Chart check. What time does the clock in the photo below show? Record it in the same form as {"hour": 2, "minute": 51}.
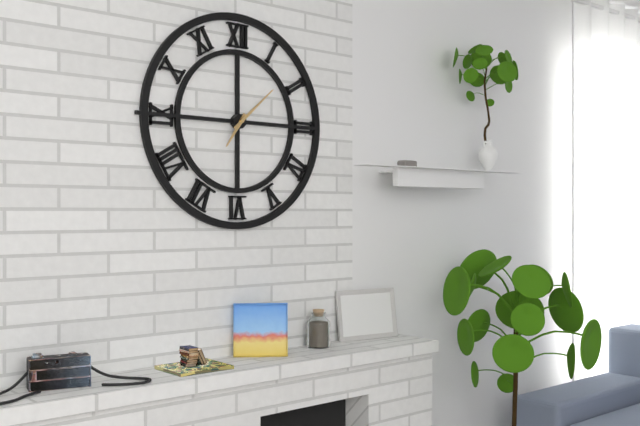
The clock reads {"hour": 7, "minute": 8}
